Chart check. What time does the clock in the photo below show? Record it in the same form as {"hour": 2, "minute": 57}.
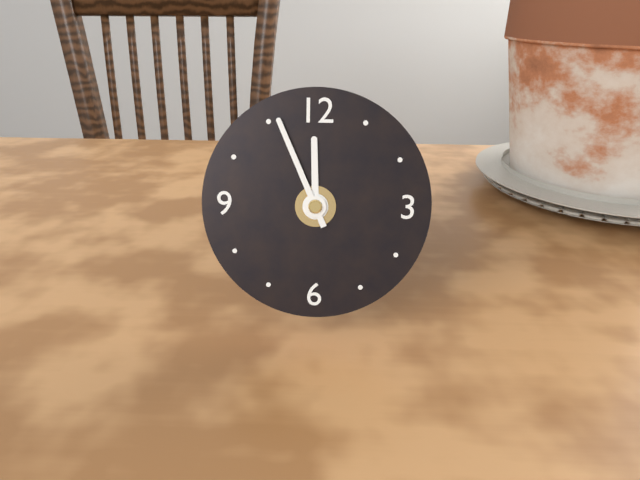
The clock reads {"hour": 11, "minute": 56}
